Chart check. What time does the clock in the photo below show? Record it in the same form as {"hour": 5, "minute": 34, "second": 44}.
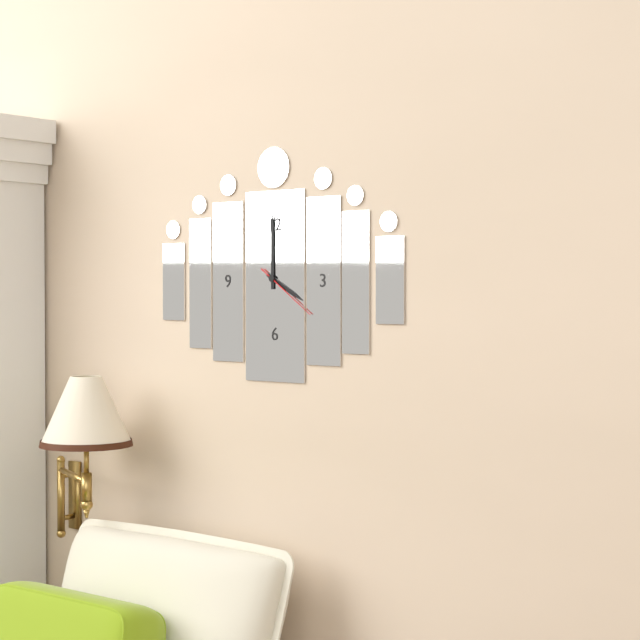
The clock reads {"hour": 4, "minute": 0, "second": 21}
